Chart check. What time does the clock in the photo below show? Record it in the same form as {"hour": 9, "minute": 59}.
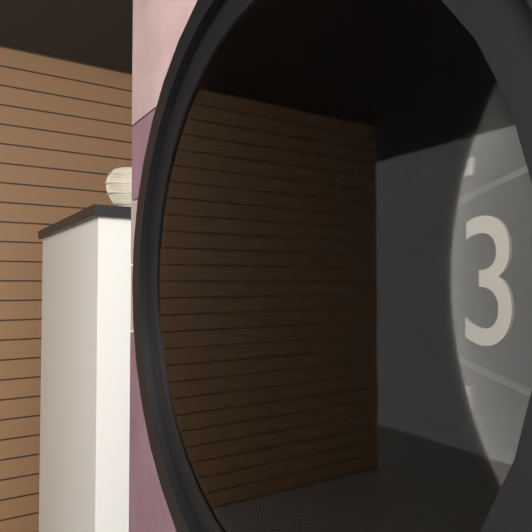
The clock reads {"hour": 7, "minute": 18}
